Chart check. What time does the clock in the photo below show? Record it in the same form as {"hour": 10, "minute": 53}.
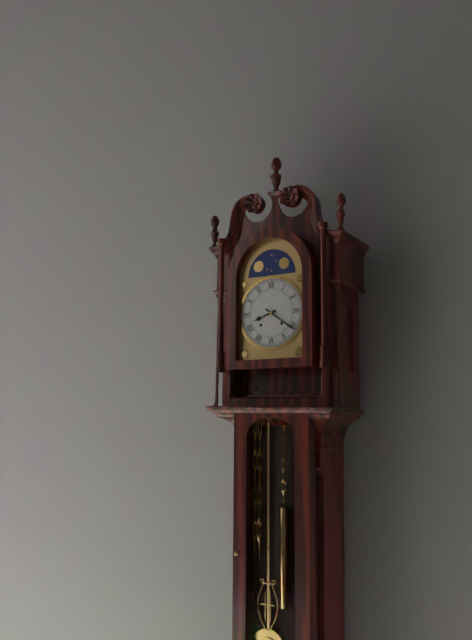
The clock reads {"hour": 8, "minute": 21}
